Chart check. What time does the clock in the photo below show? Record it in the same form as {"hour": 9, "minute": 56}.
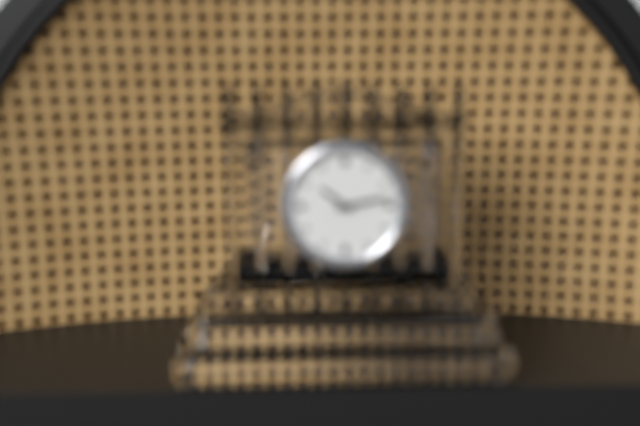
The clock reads {"hour": 10, "minute": 13}
